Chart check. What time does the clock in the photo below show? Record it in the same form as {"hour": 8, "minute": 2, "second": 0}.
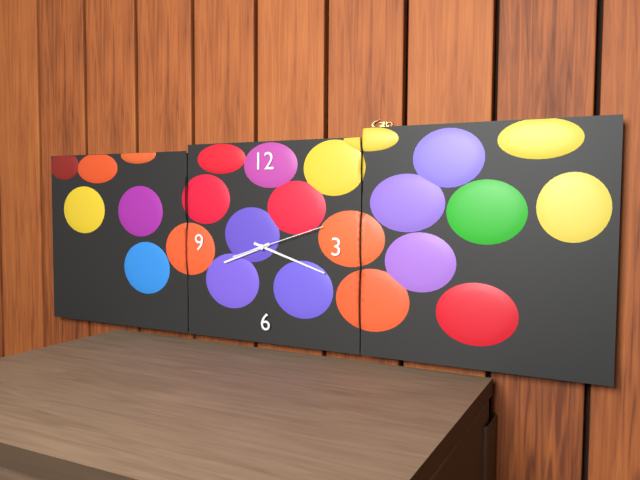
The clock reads {"hour": 8, "minute": 18, "second": 12}
